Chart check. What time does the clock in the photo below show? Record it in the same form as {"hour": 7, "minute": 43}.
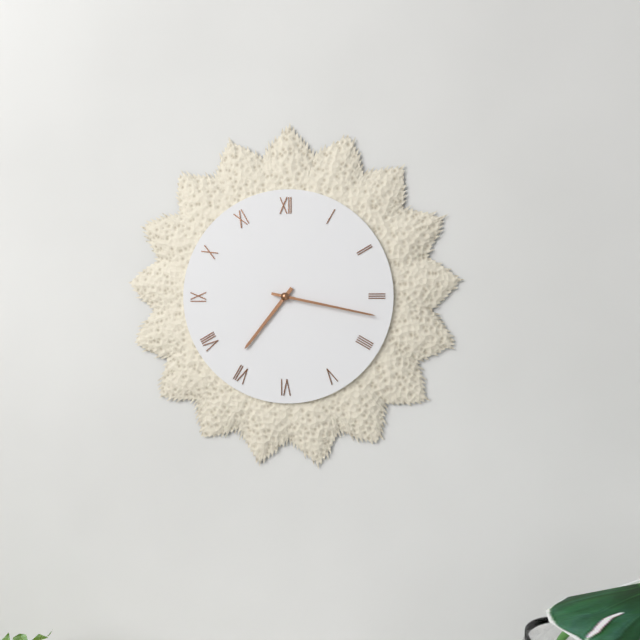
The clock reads {"hour": 7, "minute": 17}
